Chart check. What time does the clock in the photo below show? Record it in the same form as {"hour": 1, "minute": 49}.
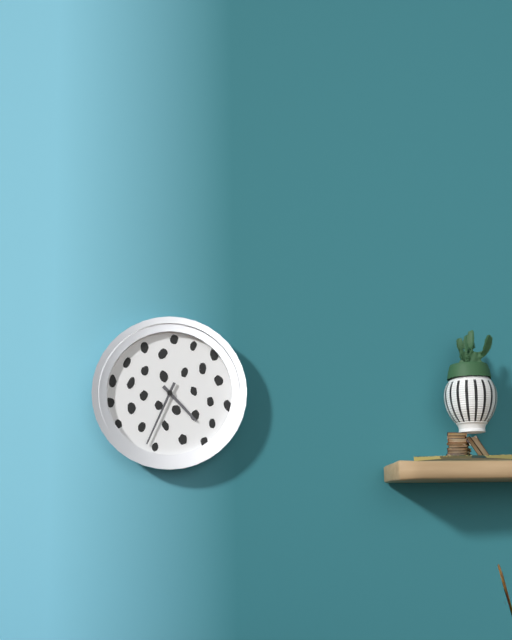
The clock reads {"hour": 4, "minute": 34}
